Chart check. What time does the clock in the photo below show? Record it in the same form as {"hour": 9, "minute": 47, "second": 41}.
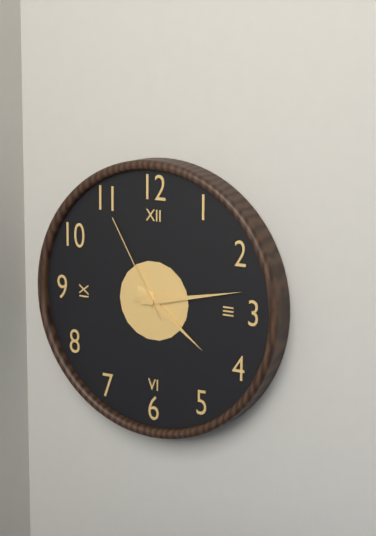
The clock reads {"hour": 4, "minute": 13, "second": 55}
